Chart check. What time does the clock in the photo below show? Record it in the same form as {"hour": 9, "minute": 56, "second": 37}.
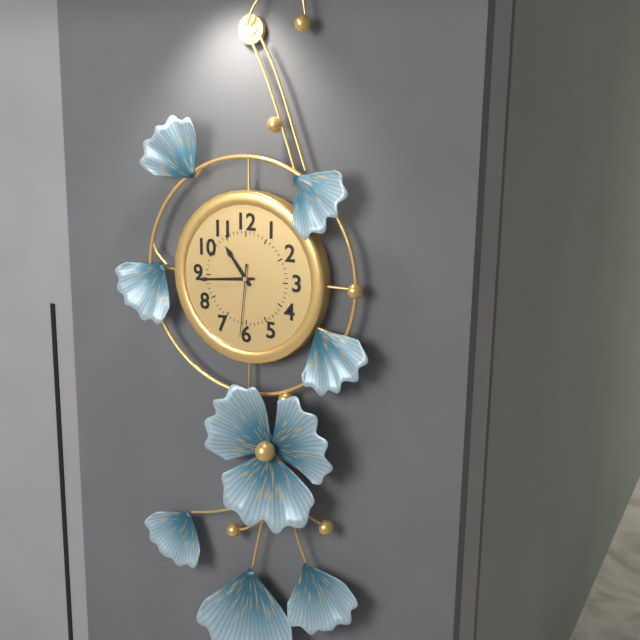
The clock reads {"hour": 10, "minute": 44, "second": 31}
